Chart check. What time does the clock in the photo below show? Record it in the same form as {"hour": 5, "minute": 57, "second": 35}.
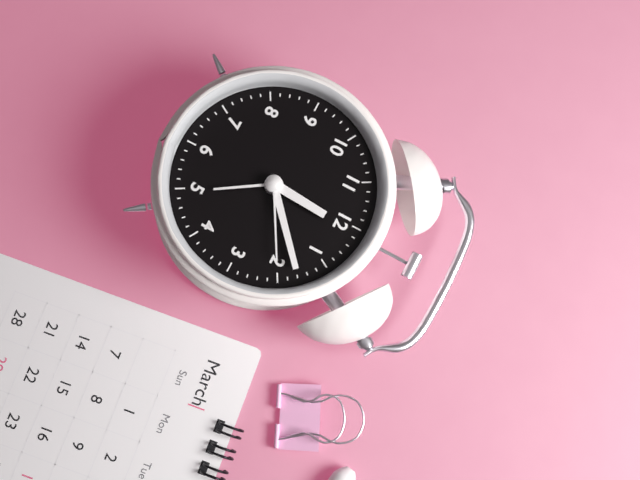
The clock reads {"hour": 12, "minute": 8, "second": 10}
